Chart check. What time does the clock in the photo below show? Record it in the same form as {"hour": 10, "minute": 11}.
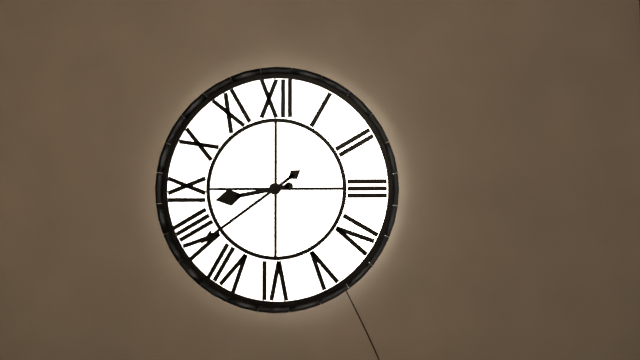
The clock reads {"hour": 8, "minute": 39}
